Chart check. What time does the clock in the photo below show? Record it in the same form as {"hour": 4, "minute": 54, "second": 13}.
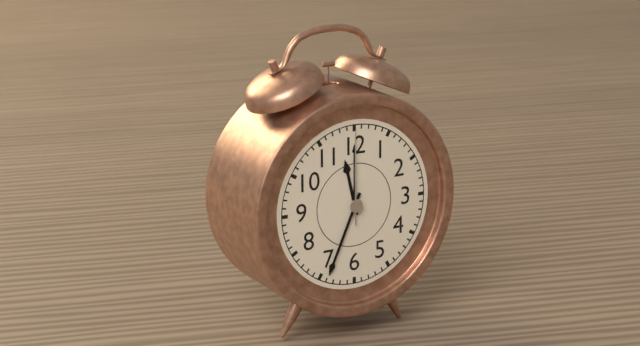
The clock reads {"hour": 11, "minute": 34, "second": 0}
